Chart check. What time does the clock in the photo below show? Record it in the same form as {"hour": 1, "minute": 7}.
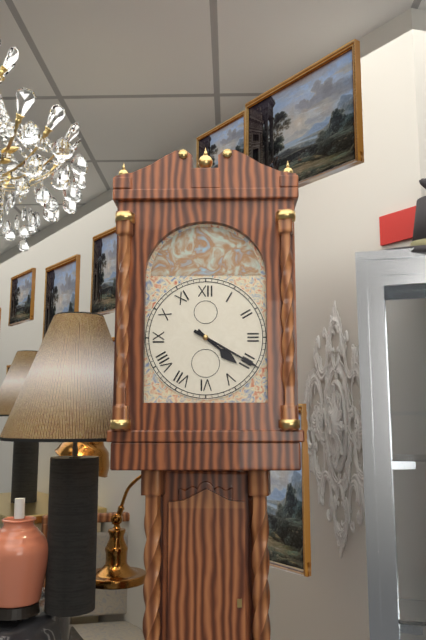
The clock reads {"hour": 4, "minute": 20}
